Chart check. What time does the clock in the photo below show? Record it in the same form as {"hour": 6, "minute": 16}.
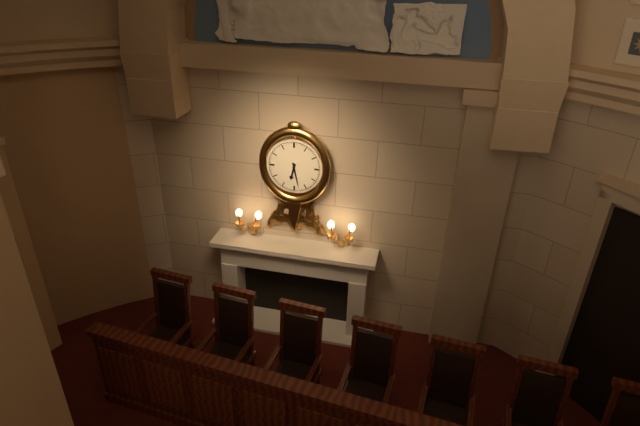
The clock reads {"hour": 6, "minute": 28}
